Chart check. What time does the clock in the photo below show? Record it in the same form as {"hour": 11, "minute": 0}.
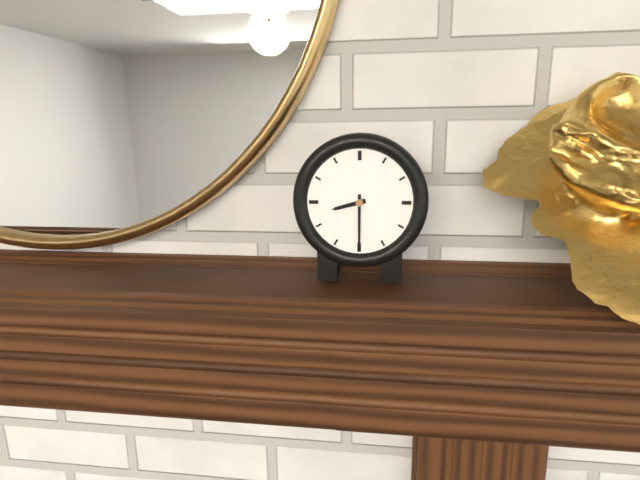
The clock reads {"hour": 8, "minute": 30}
